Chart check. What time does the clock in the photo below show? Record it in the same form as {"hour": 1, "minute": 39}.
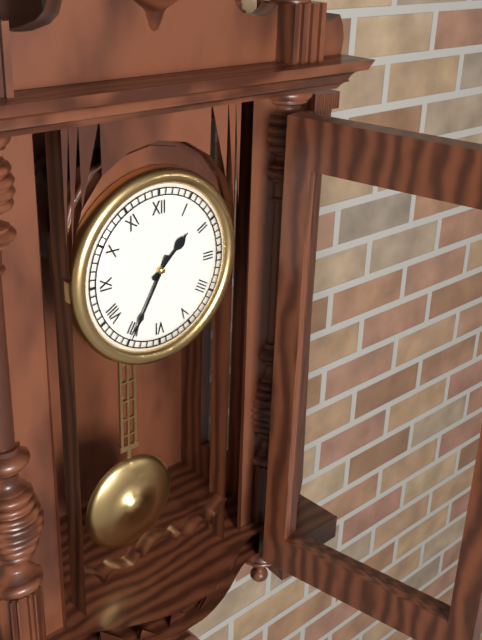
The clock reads {"hour": 1, "minute": 35}
